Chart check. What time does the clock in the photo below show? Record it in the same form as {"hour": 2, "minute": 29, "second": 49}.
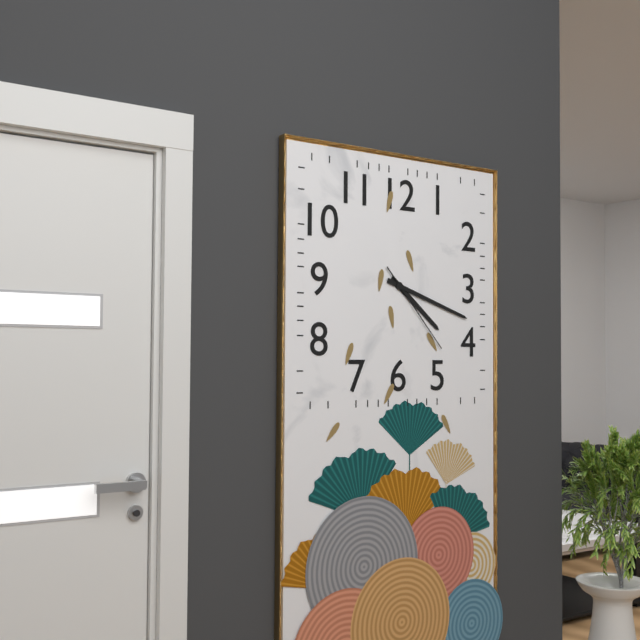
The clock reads {"hour": 4, "minute": 18, "second": 23}
